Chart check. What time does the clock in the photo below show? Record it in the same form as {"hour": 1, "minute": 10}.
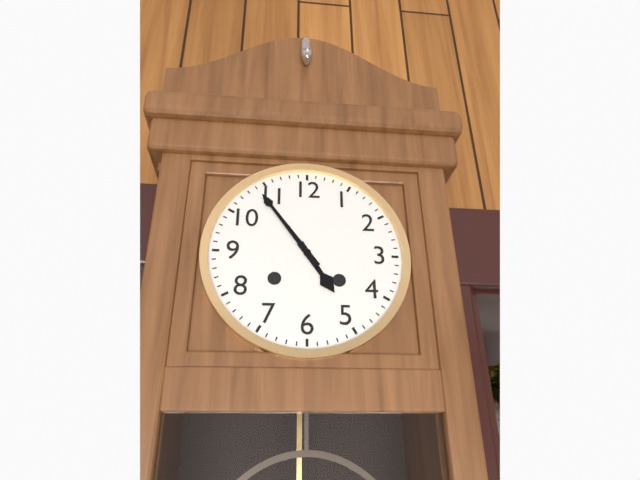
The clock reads {"hour": 4, "minute": 54}
